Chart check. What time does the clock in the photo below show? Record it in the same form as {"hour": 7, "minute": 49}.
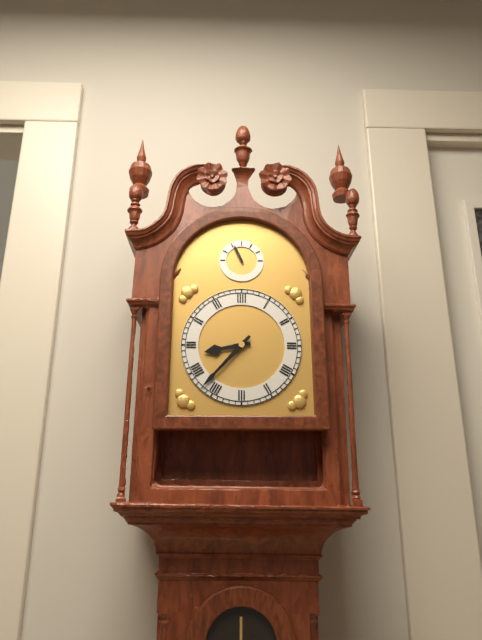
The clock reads {"hour": 8, "minute": 37}
